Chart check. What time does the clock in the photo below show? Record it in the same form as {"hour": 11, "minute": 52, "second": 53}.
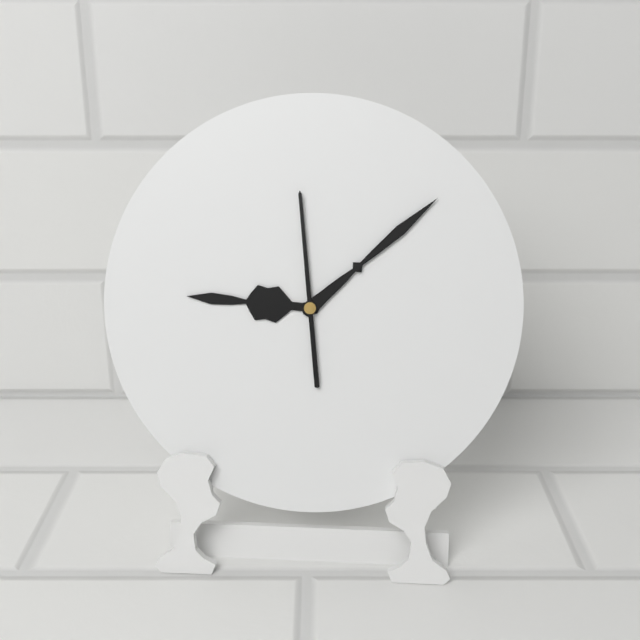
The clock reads {"hour": 9, "minute": 8, "second": 59}
